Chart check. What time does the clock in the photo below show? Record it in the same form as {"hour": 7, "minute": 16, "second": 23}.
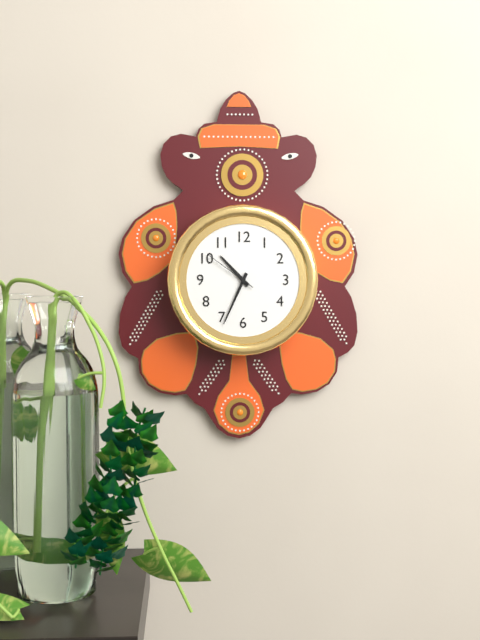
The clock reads {"hour": 10, "minute": 34, "second": 51}
